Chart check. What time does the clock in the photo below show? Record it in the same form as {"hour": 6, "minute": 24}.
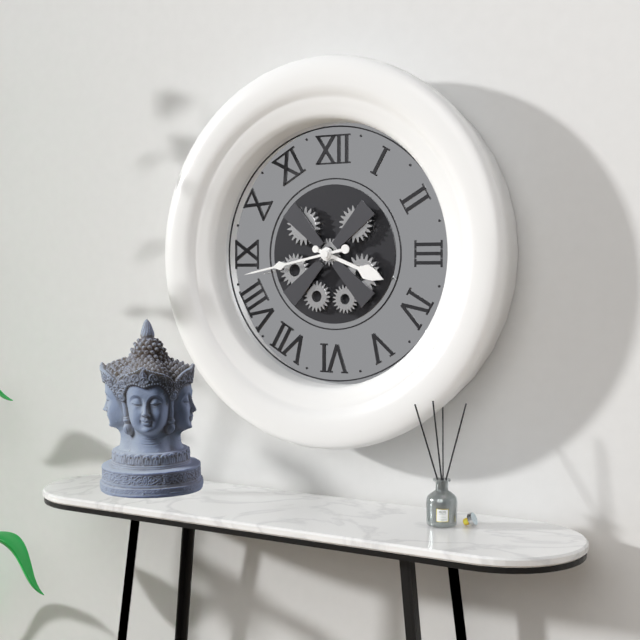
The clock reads {"hour": 3, "minute": 43}
